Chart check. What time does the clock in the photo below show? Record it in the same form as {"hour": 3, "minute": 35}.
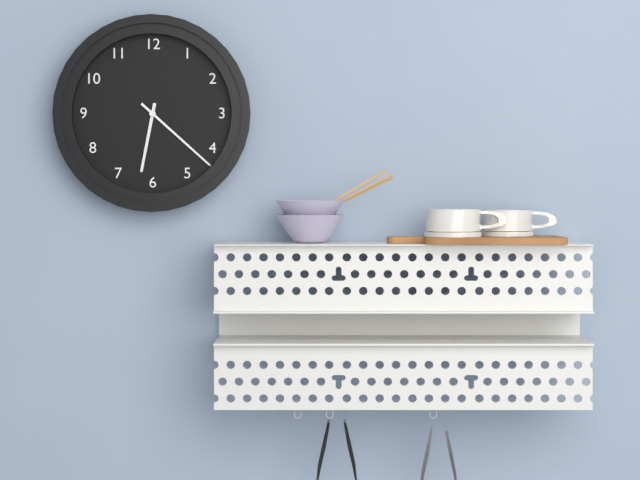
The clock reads {"hour": 6, "minute": 22}
